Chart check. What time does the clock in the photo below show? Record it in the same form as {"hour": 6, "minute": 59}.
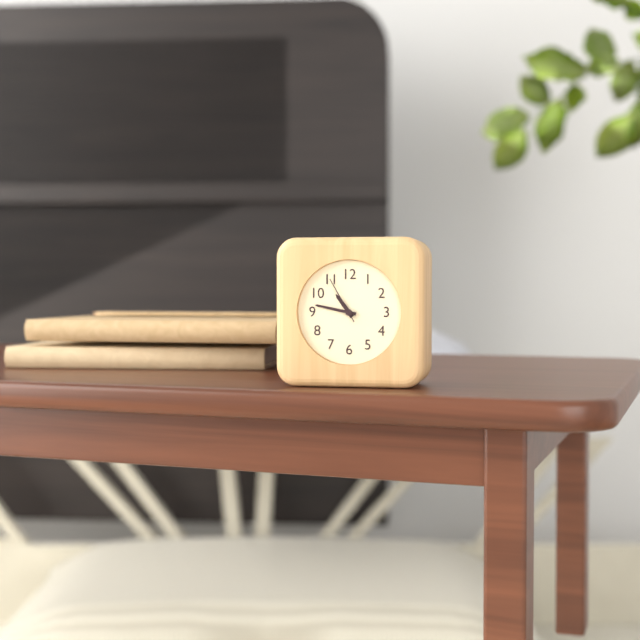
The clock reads {"hour": 10, "minute": 47}
